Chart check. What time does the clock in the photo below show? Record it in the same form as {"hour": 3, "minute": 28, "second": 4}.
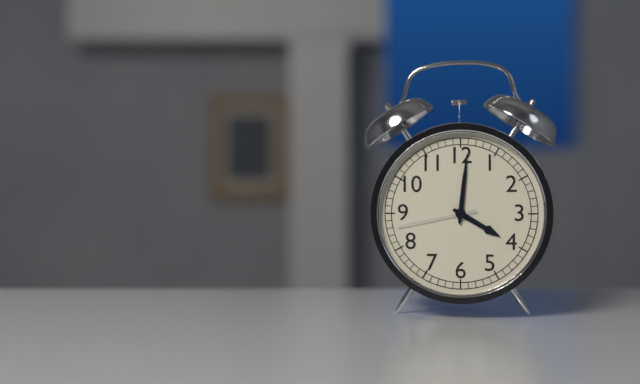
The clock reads {"hour": 4, "minute": 1, "second": 43}
